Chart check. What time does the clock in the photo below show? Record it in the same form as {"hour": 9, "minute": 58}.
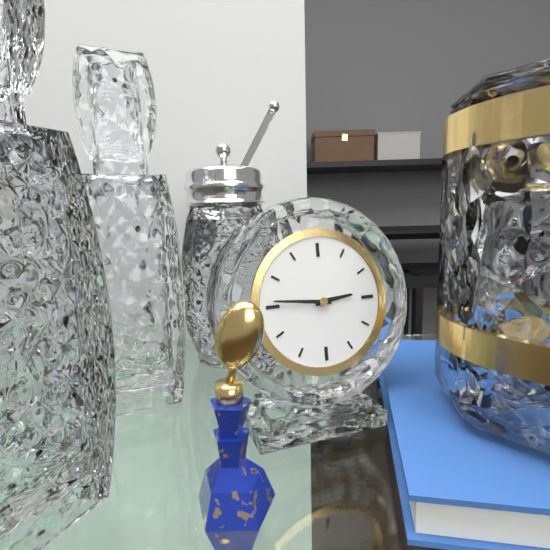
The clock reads {"hour": 2, "minute": 46}
